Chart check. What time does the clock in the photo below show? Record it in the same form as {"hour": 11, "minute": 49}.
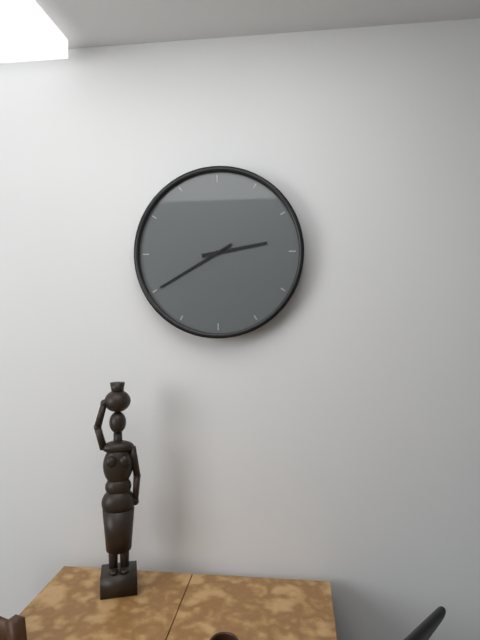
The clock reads {"hour": 2, "minute": 40}
